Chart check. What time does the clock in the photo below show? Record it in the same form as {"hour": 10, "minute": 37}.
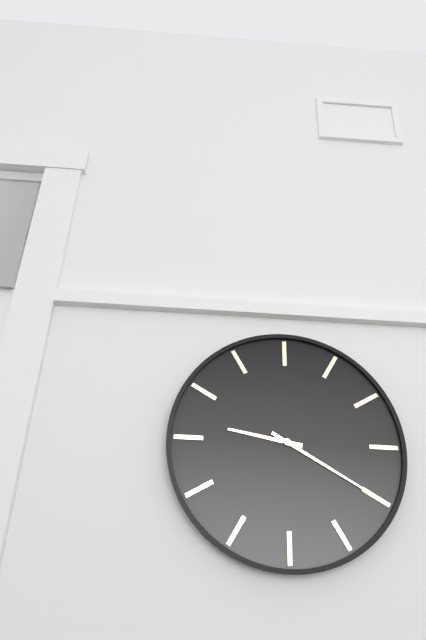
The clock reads {"hour": 9, "minute": 20}
